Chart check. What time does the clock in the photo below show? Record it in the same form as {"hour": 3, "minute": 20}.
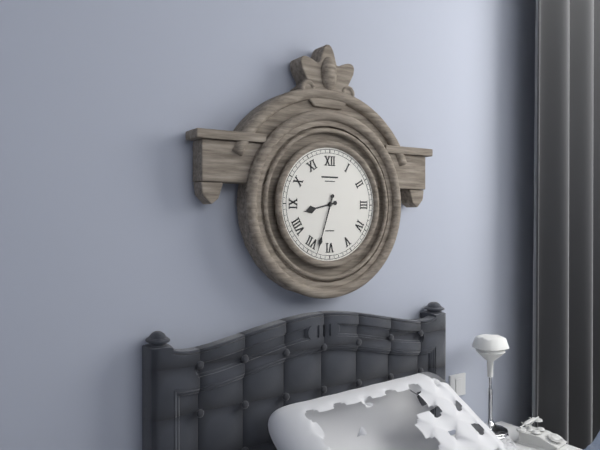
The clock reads {"hour": 8, "minute": 33}
